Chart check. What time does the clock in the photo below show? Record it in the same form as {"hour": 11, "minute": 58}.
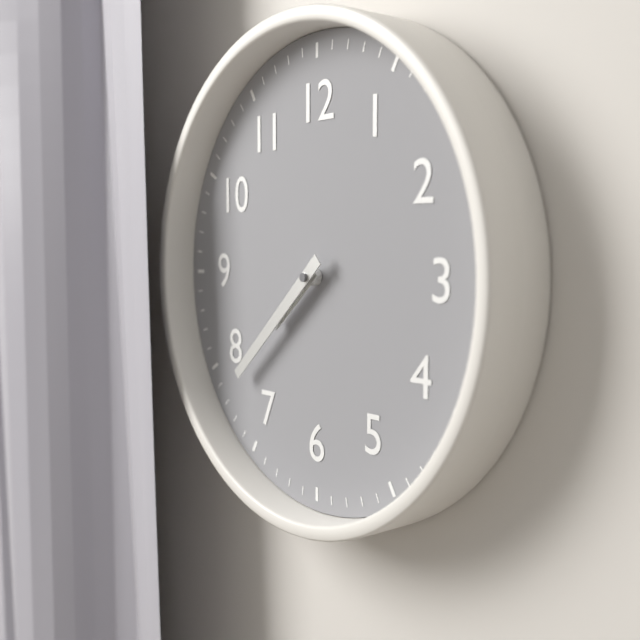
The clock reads {"hour": 7, "minute": 38}
